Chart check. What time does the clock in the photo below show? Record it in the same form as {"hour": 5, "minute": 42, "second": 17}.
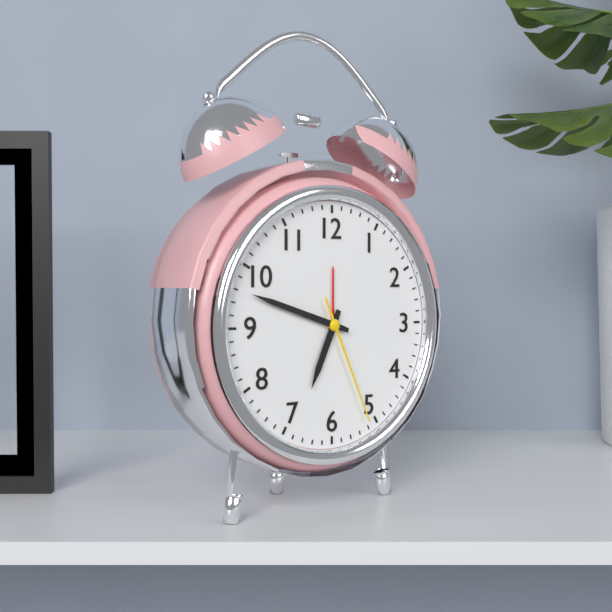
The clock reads {"hour": 6, "minute": 48, "second": 26}
